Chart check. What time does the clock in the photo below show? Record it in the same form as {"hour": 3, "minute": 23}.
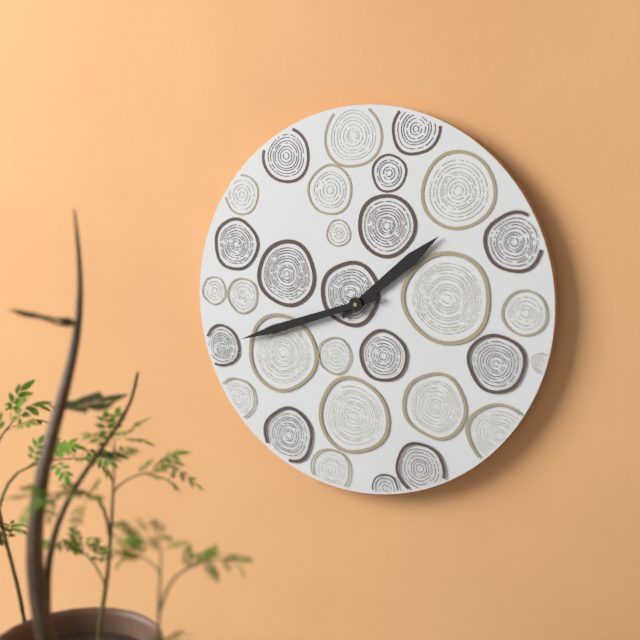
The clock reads {"hour": 1, "minute": 42}
